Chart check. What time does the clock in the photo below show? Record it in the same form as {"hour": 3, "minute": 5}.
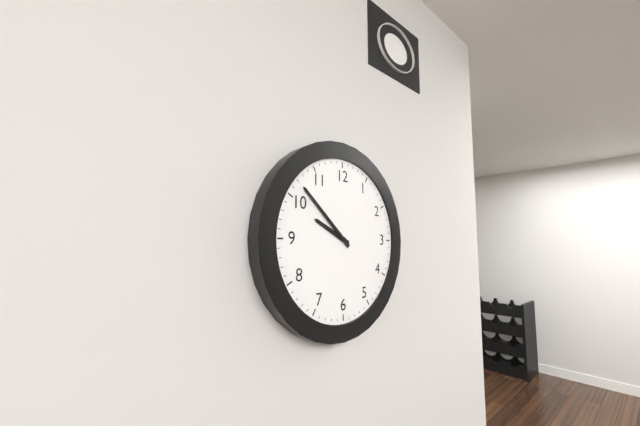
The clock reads {"hour": 9, "minute": 52}
